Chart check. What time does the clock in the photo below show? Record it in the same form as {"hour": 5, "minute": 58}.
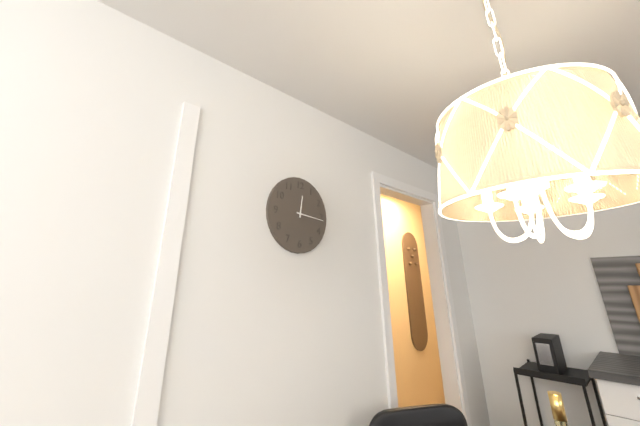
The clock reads {"hour": 12, "minute": 16}
